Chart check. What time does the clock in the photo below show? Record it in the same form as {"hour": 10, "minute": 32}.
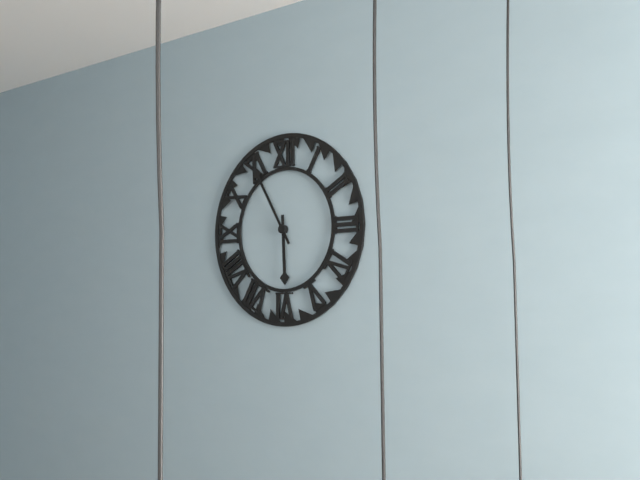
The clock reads {"hour": 5, "minute": 55}
